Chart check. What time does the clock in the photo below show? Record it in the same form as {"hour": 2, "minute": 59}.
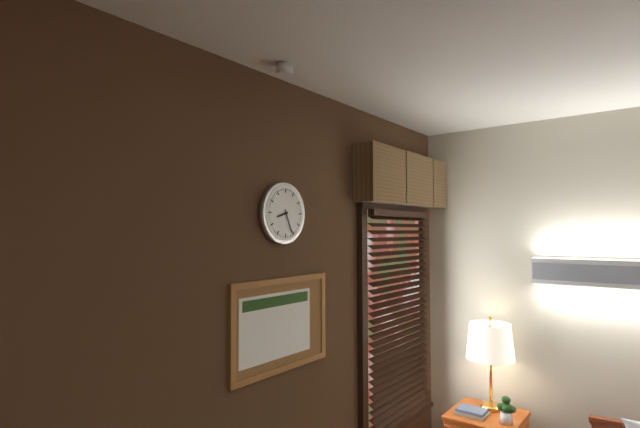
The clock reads {"hour": 8, "minute": 26}
